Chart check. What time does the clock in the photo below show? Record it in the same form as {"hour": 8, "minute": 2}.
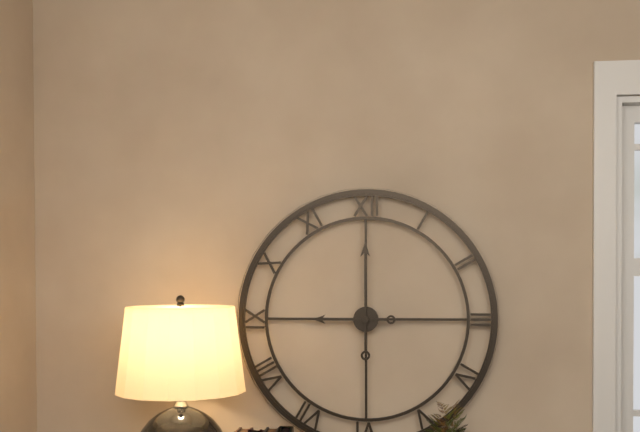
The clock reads {"hour": 9, "minute": 0}
